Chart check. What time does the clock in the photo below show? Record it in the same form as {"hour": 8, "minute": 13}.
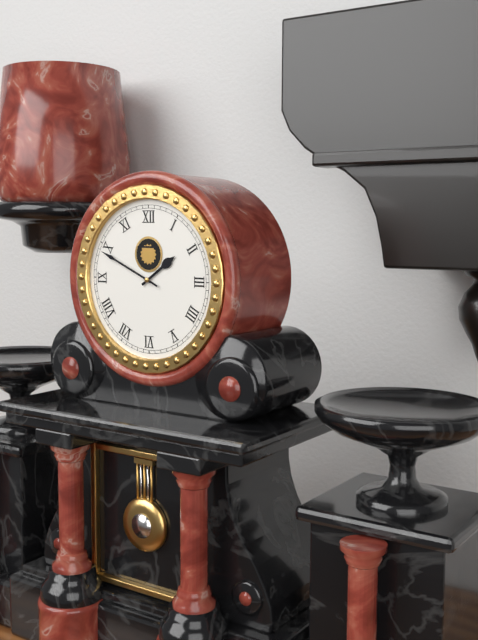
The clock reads {"hour": 1, "minute": 49}
